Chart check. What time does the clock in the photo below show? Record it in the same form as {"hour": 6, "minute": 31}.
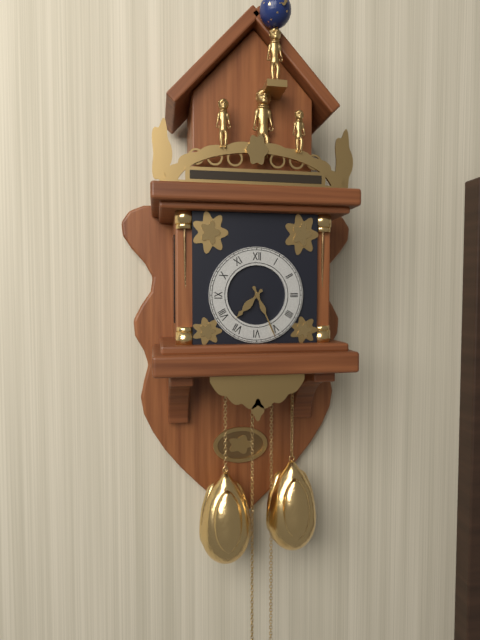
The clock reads {"hour": 7, "minute": 26}
